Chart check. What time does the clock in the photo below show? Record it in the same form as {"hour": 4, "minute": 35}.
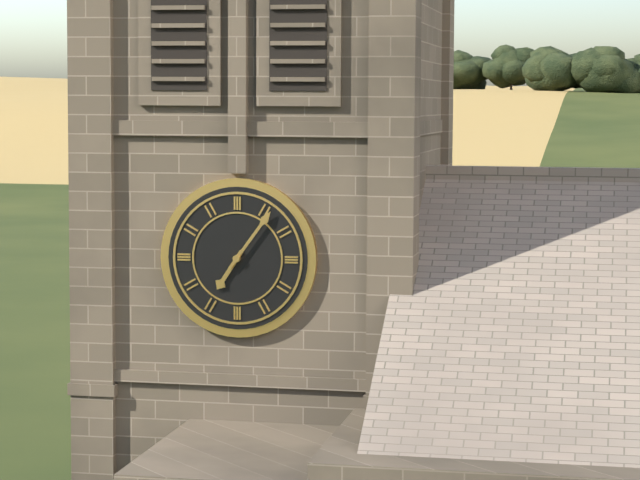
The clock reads {"hour": 7, "minute": 6}
